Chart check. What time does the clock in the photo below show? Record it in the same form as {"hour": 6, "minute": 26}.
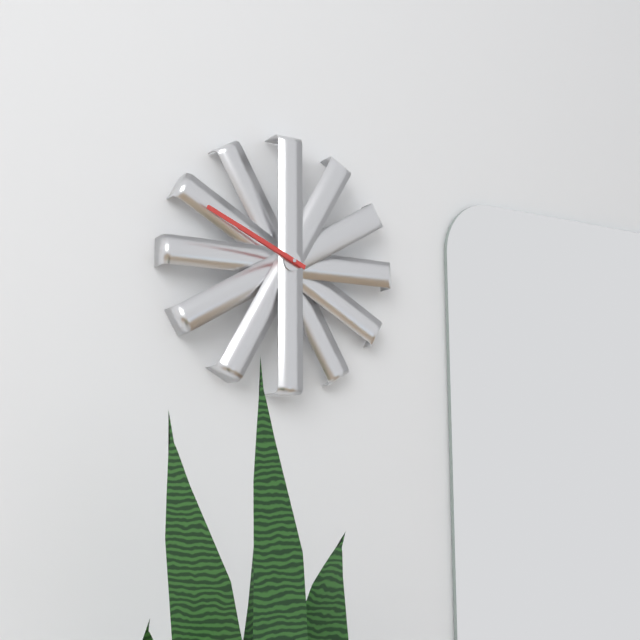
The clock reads {"hour": 9, "minute": 49}
